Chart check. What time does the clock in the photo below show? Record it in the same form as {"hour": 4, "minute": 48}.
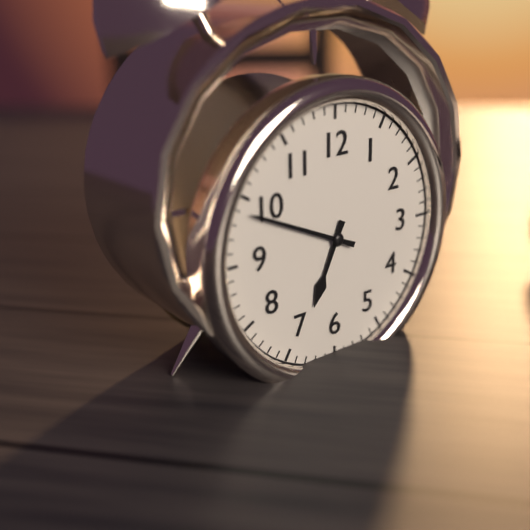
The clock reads {"hour": 6, "minute": 49}
